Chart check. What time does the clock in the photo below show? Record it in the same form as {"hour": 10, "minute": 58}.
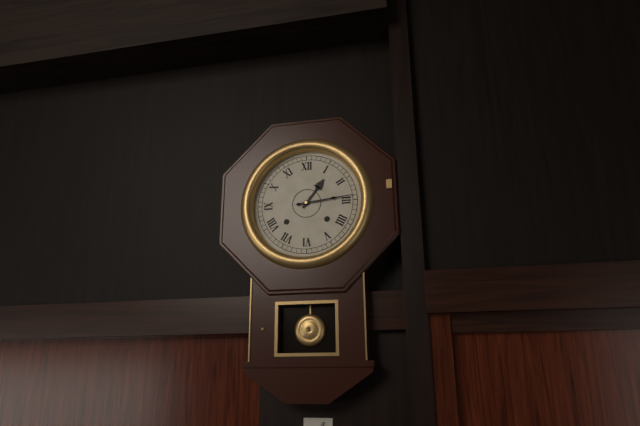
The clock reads {"hour": 1, "minute": 14}
